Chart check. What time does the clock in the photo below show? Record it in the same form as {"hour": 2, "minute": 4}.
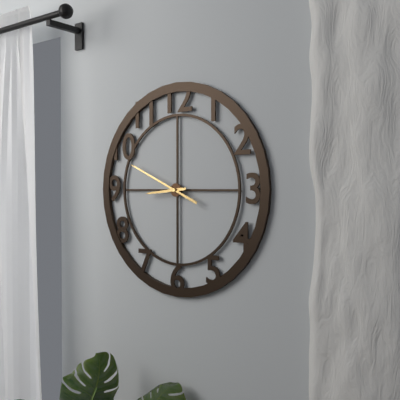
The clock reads {"hour": 8, "minute": 49}
